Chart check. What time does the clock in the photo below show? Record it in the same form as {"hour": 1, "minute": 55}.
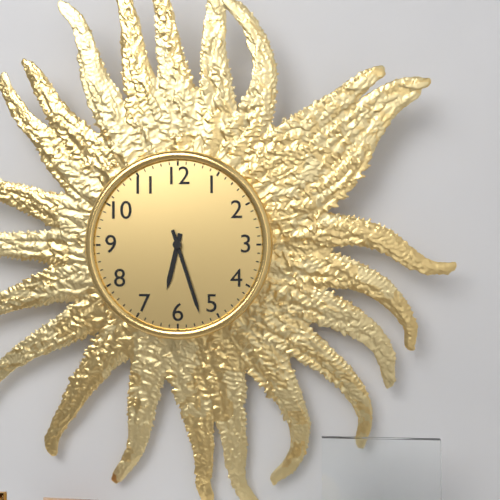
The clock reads {"hour": 6, "minute": 27}
